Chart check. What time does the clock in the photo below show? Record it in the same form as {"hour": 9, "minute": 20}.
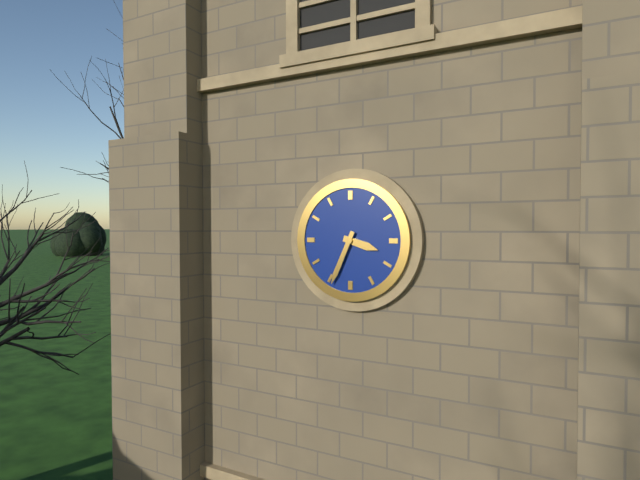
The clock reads {"hour": 3, "minute": 34}
